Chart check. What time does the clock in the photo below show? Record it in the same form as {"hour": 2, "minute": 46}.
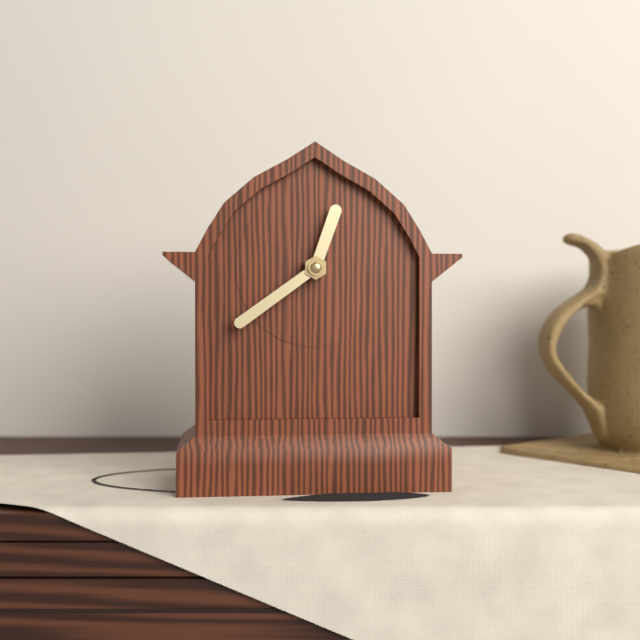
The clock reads {"hour": 12, "minute": 39}
